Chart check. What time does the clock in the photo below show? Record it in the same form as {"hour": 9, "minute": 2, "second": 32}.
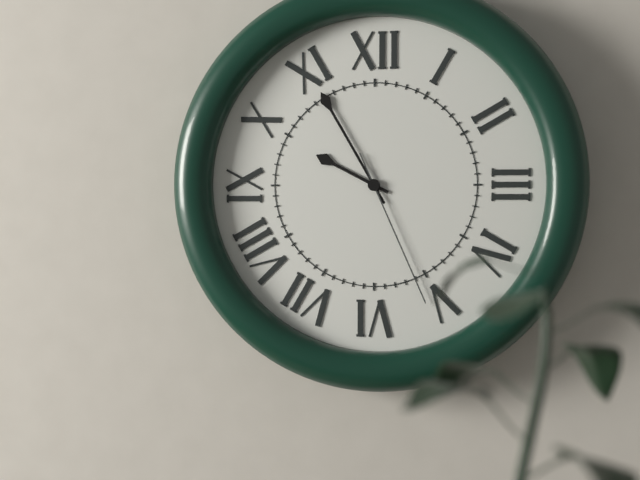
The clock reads {"hour": 9, "minute": 55, "second": 26}
